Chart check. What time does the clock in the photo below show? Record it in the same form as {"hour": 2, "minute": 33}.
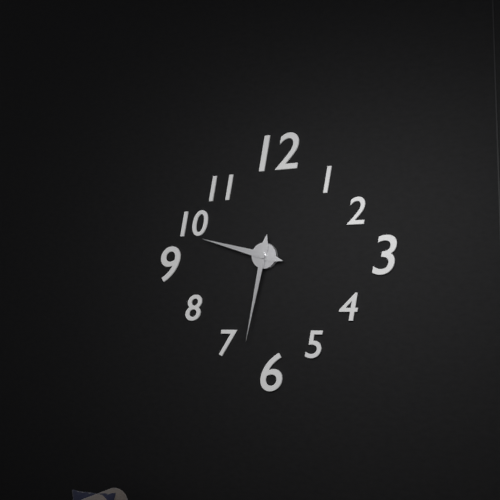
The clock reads {"hour": 9, "minute": 32}
